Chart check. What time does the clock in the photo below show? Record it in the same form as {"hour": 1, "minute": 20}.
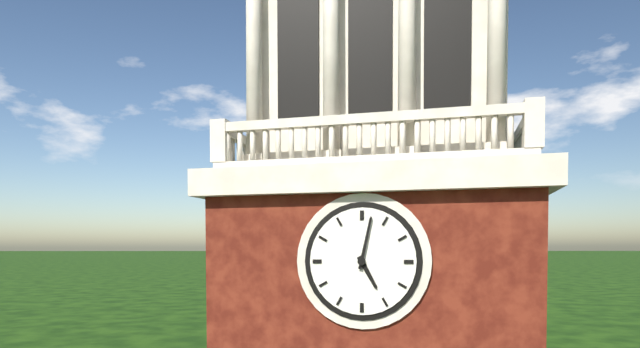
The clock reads {"hour": 5, "minute": 2}
